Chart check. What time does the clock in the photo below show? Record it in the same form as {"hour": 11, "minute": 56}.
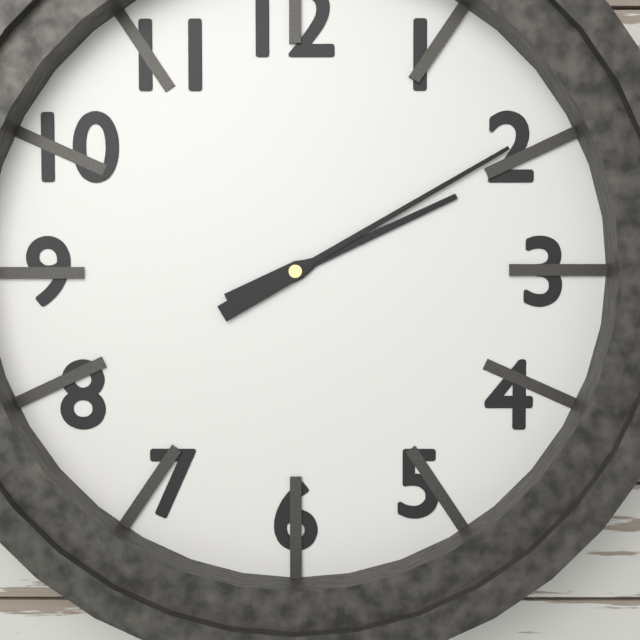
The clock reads {"hour": 2, "minute": 10}
